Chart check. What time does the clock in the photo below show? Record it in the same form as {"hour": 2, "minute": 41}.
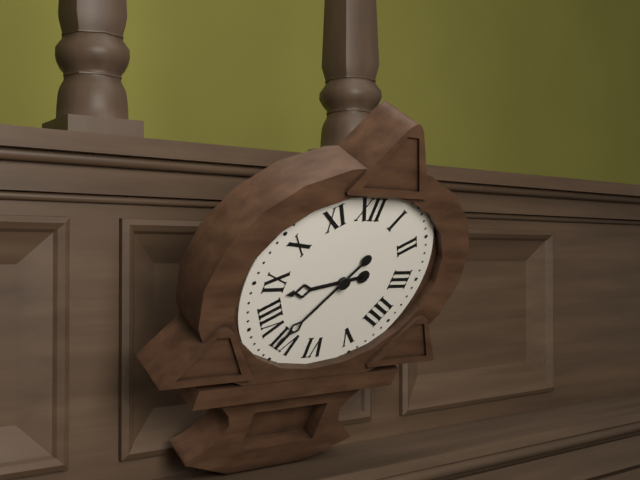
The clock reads {"hour": 8, "minute": 36}
